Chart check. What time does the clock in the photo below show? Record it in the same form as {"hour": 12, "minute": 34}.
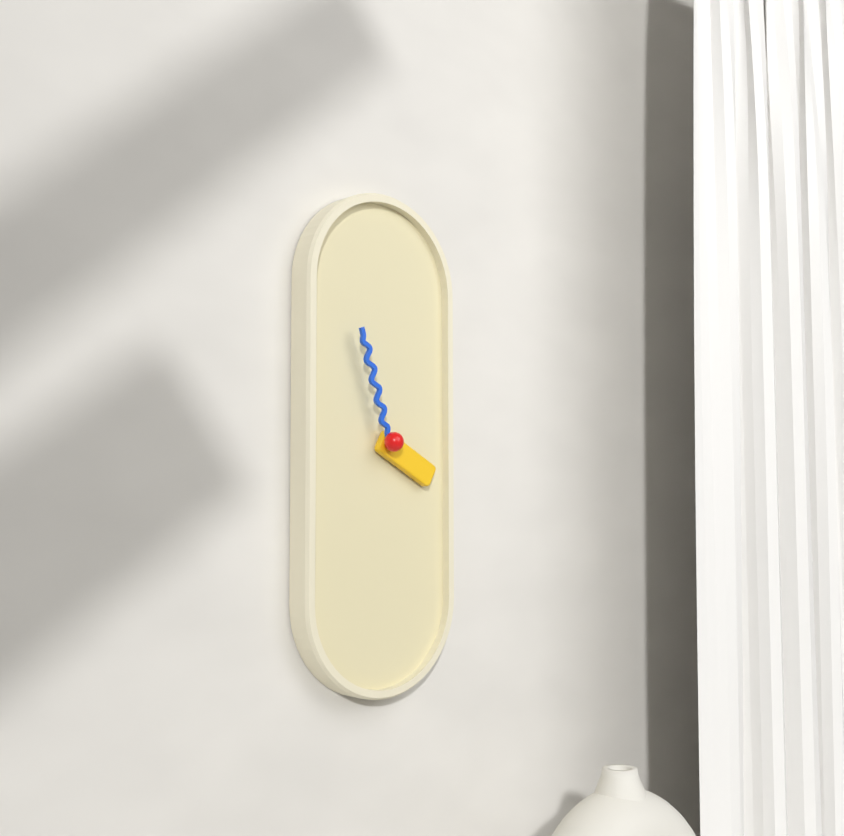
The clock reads {"hour": 3, "minute": 57}
